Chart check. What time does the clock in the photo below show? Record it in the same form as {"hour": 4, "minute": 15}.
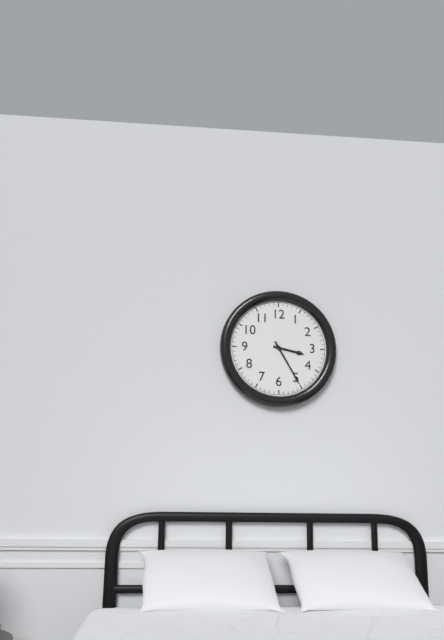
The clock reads {"hour": 3, "minute": 25}
